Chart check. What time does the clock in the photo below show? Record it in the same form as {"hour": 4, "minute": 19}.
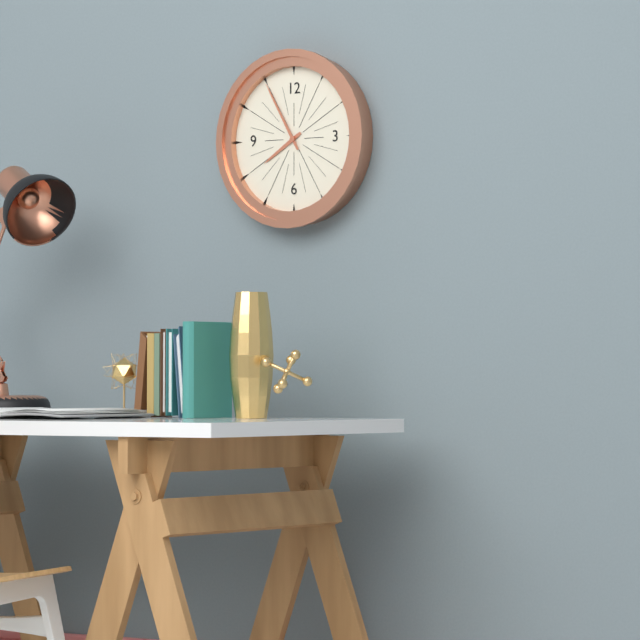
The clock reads {"hour": 7, "minute": 55}
